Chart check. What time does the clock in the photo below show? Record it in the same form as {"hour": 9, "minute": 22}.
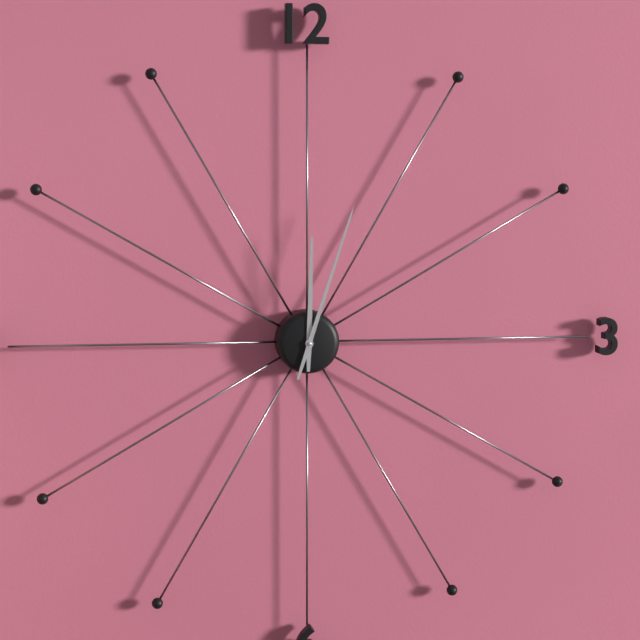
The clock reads {"hour": 12, "minute": 3}
